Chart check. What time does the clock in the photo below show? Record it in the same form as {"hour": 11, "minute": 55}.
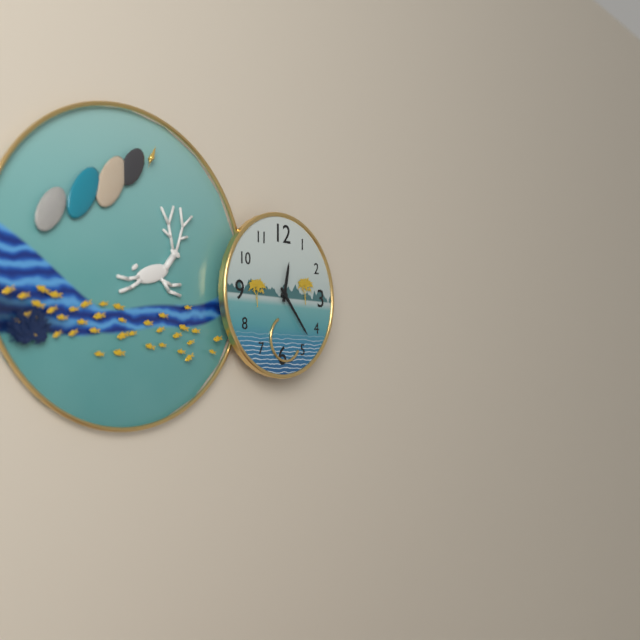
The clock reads {"hour": 12, "minute": 23}
